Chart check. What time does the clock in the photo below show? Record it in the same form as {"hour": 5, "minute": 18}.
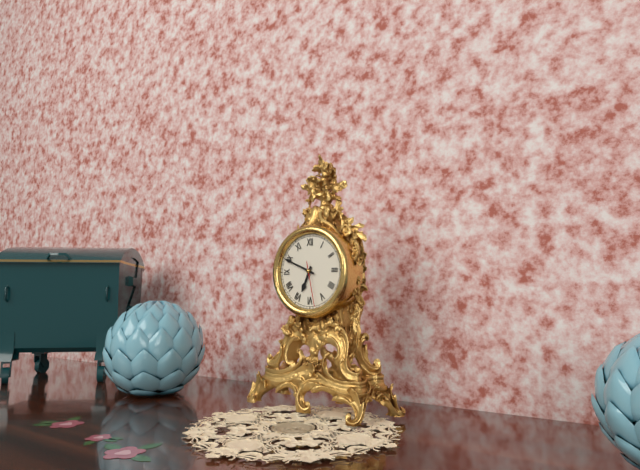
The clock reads {"hour": 6, "minute": 49}
